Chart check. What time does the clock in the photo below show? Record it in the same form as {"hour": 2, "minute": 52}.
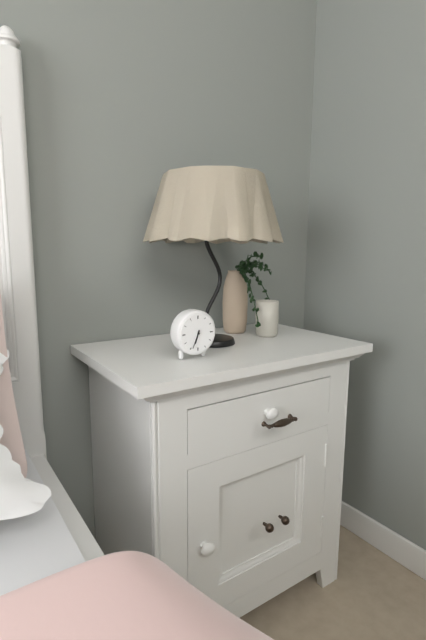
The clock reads {"hour": 6, "minute": 34}
